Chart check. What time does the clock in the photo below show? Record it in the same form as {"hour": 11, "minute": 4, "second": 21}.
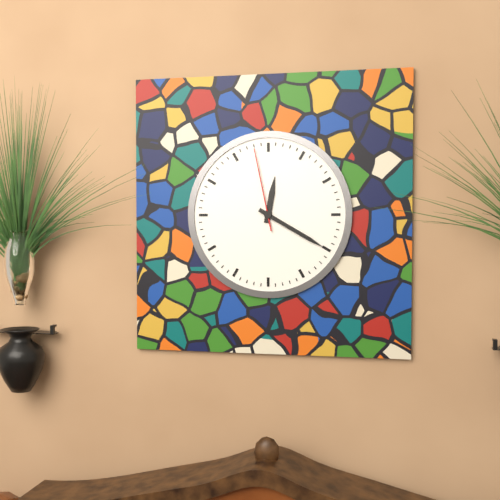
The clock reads {"hour": 12, "minute": 20, "second": 58}
